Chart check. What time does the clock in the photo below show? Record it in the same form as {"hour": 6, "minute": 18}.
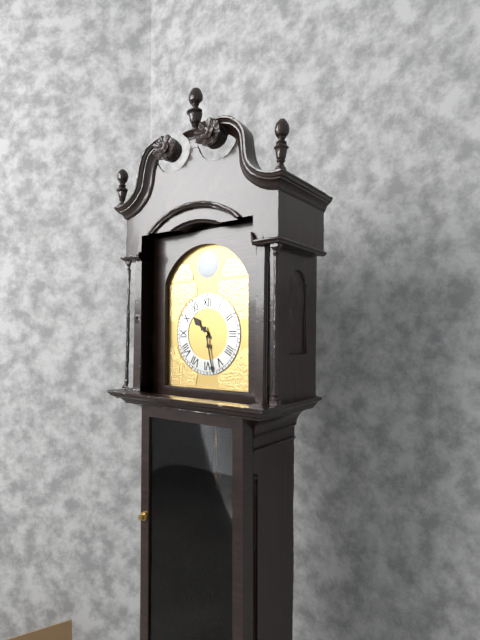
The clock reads {"hour": 10, "minute": 28}
